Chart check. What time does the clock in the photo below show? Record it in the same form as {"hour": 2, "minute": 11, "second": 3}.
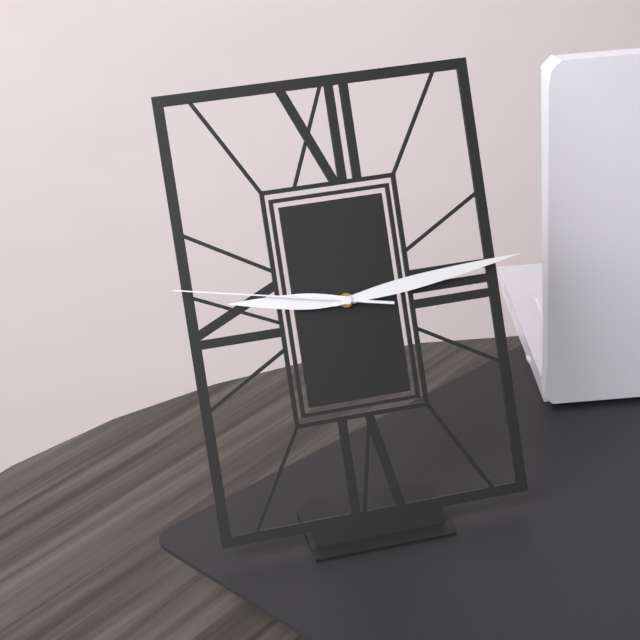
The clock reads {"hour": 9, "minute": 14, "second": 47}
